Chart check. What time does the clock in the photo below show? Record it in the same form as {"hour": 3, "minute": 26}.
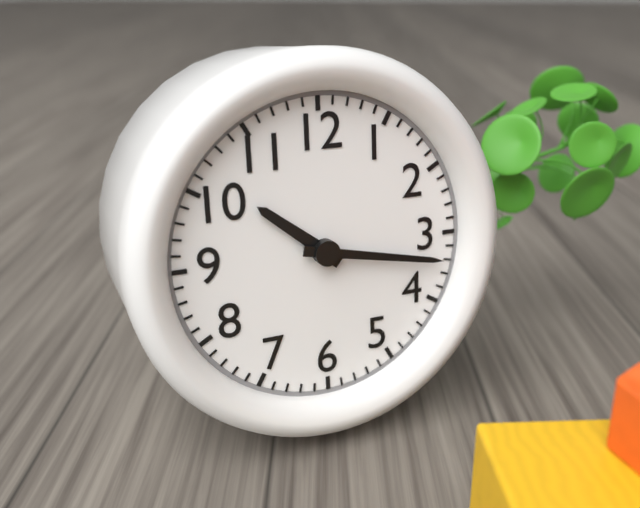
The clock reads {"hour": 10, "minute": 17}
